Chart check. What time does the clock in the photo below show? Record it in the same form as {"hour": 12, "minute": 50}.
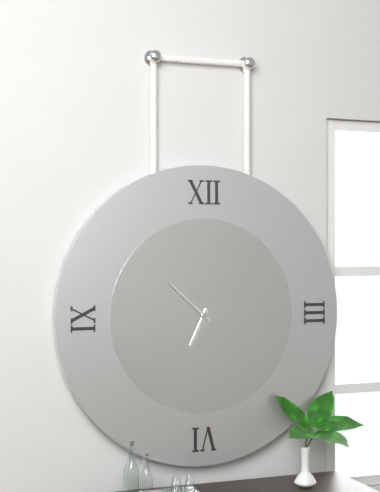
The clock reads {"hour": 6, "minute": 52}
